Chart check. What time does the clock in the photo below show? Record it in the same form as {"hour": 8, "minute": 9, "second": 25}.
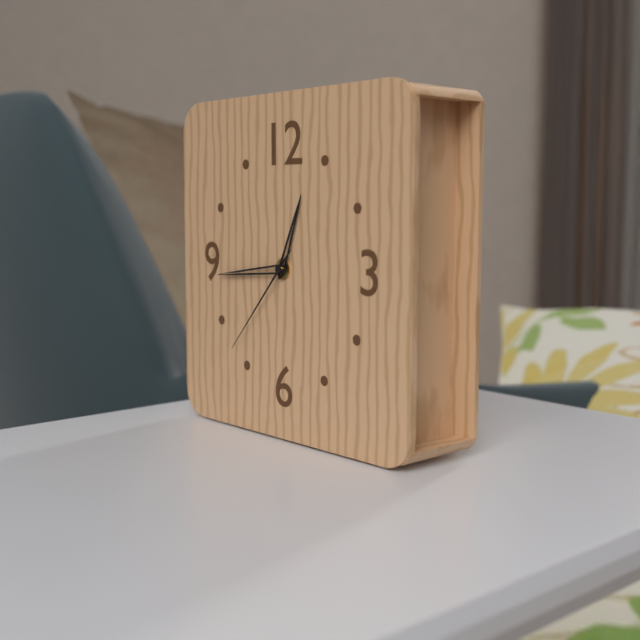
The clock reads {"hour": 12, "minute": 44, "second": 37}
